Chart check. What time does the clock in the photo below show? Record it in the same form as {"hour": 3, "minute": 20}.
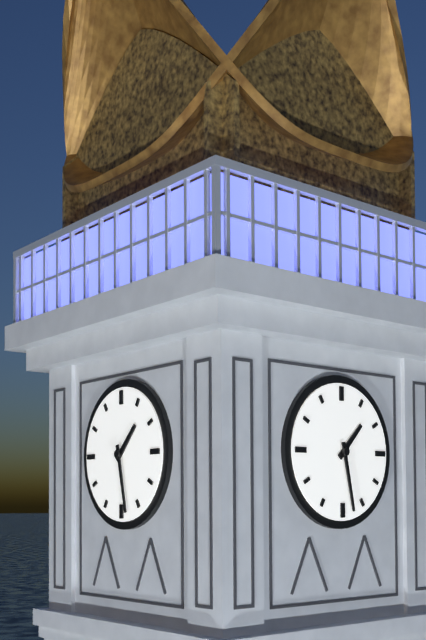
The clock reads {"hour": 1, "minute": 28}
